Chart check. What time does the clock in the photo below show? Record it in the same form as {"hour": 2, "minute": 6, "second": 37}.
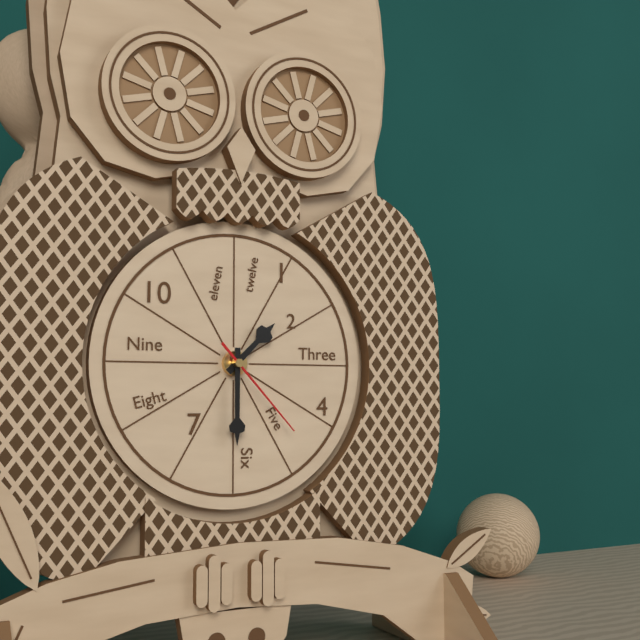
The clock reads {"hour": 1, "minute": 30, "second": 23}
